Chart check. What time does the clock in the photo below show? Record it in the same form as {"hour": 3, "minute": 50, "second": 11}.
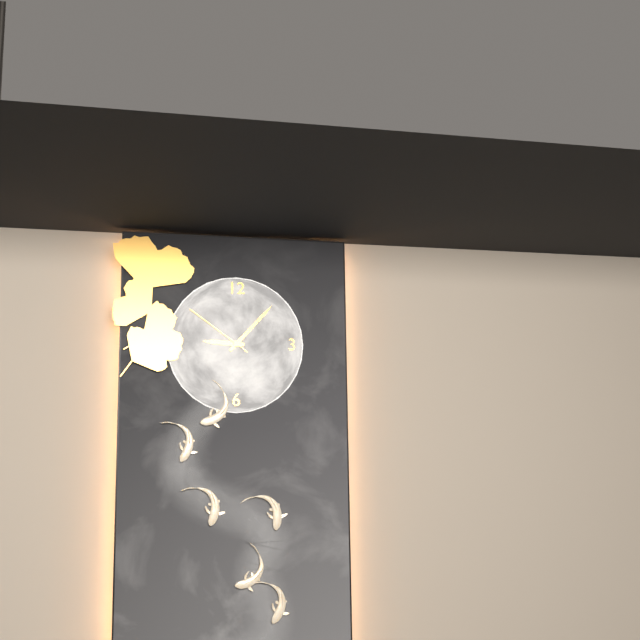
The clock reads {"hour": 9, "minute": 7, "second": 51}
